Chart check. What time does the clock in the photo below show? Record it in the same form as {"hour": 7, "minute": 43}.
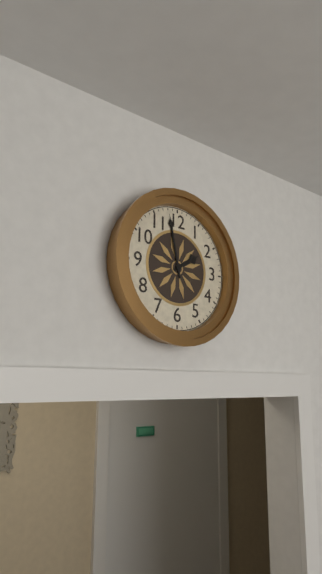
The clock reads {"hour": 1, "minute": 58}
